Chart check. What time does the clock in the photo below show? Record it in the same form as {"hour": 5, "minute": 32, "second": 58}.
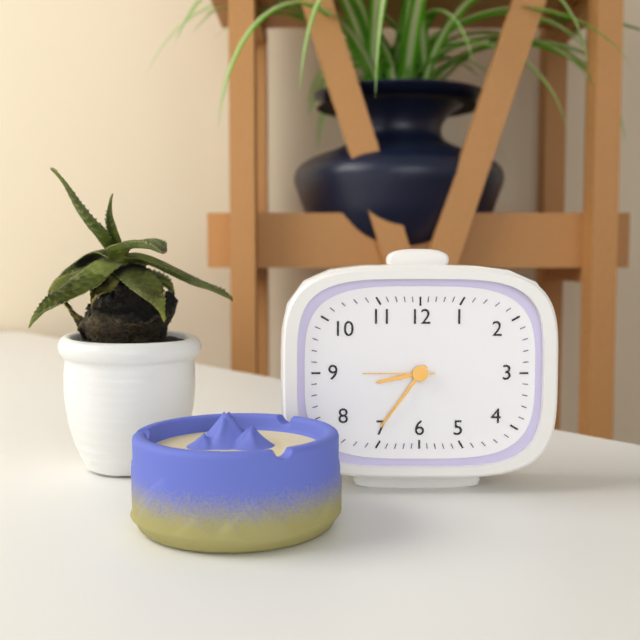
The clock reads {"hour": 8, "minute": 36, "second": 45}
